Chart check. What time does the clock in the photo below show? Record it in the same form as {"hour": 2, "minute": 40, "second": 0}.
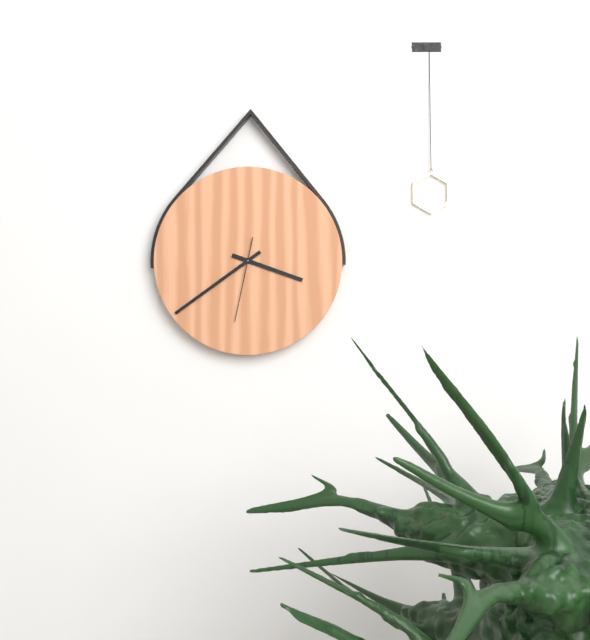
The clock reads {"hour": 3, "minute": 39, "second": 32}
